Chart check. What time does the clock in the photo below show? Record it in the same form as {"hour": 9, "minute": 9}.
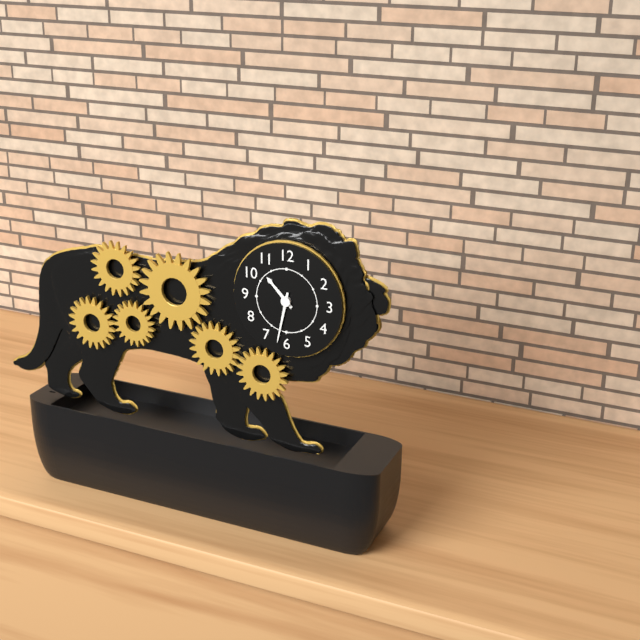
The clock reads {"hour": 10, "minute": 32}
